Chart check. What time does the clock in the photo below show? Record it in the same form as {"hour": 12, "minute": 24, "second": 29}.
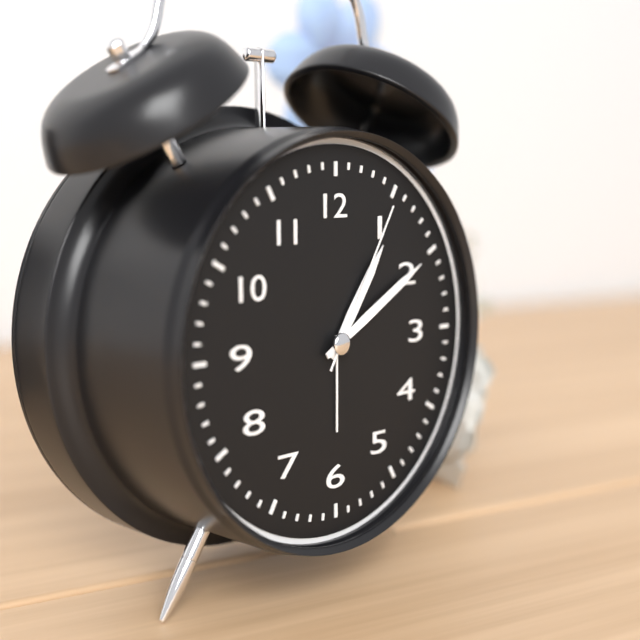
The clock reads {"hour": 1, "minute": 10, "second": 5}
